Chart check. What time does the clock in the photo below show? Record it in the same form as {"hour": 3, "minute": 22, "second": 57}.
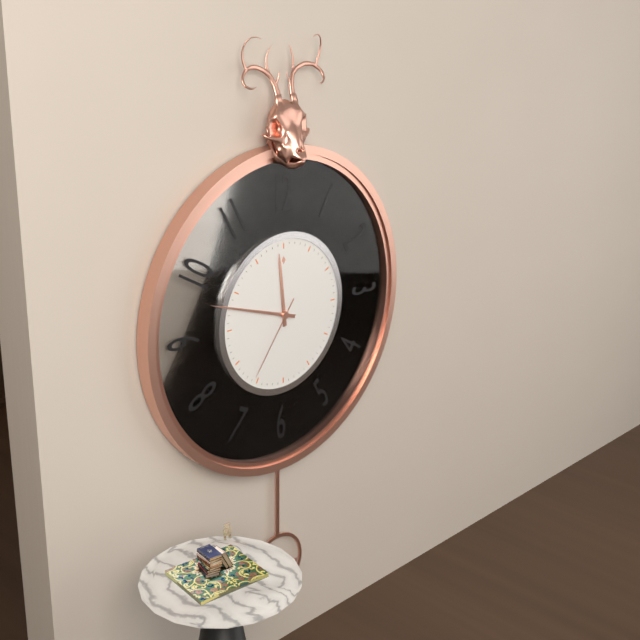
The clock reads {"hour": 11, "minute": 48, "second": 36}
